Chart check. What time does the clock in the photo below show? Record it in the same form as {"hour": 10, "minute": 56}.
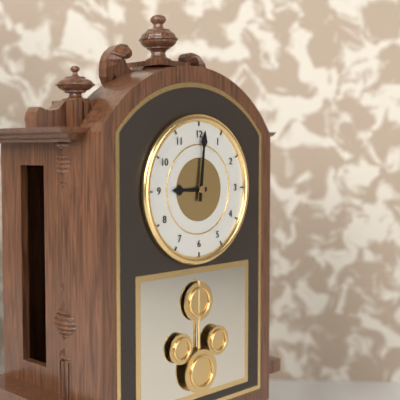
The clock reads {"hour": 9, "minute": 1}
